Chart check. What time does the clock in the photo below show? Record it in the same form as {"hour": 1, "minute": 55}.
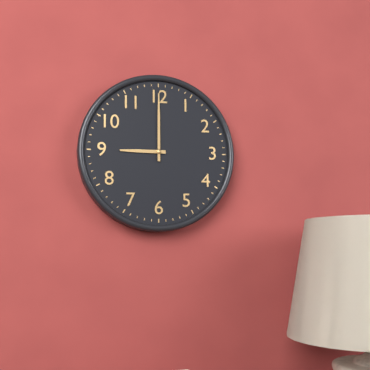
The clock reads {"hour": 9, "minute": 0}
